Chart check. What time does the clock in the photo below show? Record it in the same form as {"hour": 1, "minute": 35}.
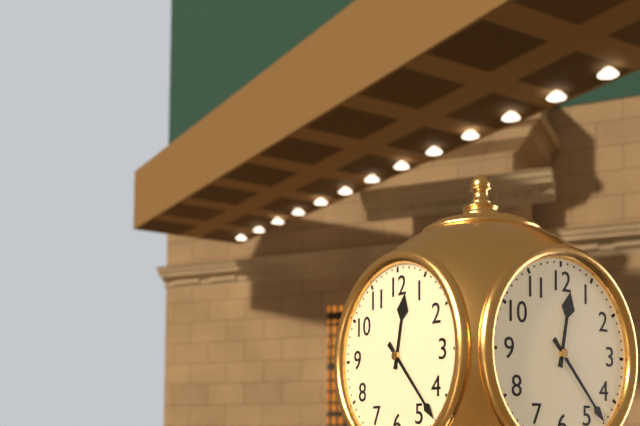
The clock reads {"hour": 12, "minute": 23}
